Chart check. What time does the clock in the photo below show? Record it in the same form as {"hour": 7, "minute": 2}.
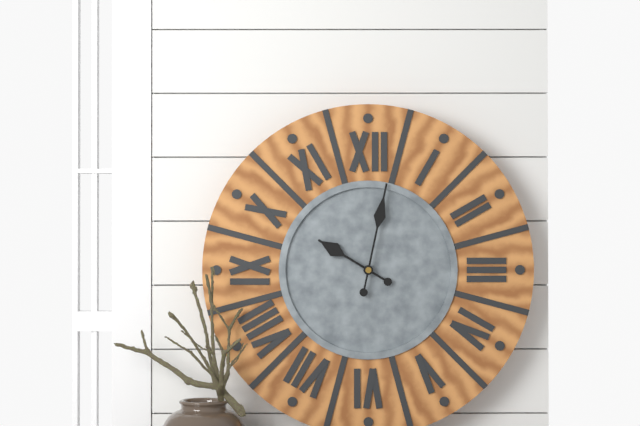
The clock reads {"hour": 10, "minute": 2}
